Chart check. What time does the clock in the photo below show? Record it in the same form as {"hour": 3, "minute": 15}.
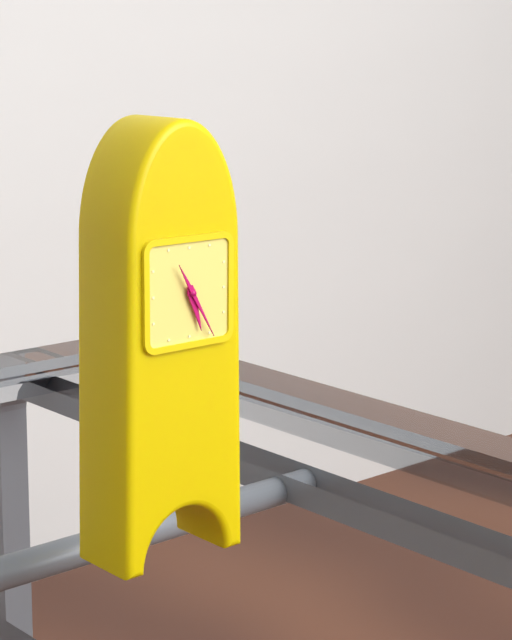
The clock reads {"hour": 5, "minute": 25}
